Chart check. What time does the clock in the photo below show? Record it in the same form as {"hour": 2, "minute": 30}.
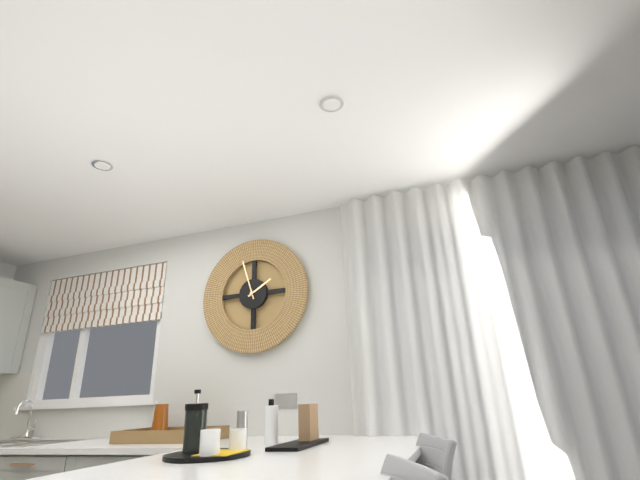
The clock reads {"hour": 1, "minute": 57}
